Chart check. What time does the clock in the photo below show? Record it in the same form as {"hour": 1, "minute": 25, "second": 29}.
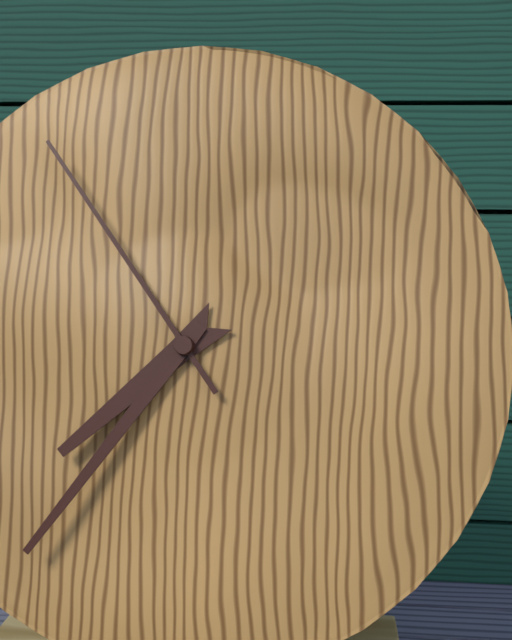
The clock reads {"hour": 7, "minute": 36, "second": 54}
